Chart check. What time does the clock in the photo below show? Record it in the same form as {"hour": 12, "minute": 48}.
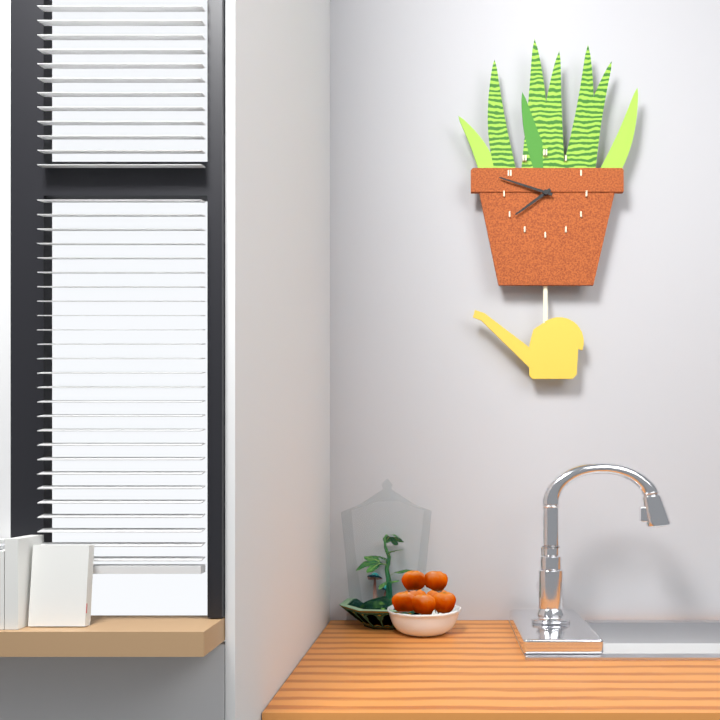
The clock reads {"hour": 7, "minute": 48}
